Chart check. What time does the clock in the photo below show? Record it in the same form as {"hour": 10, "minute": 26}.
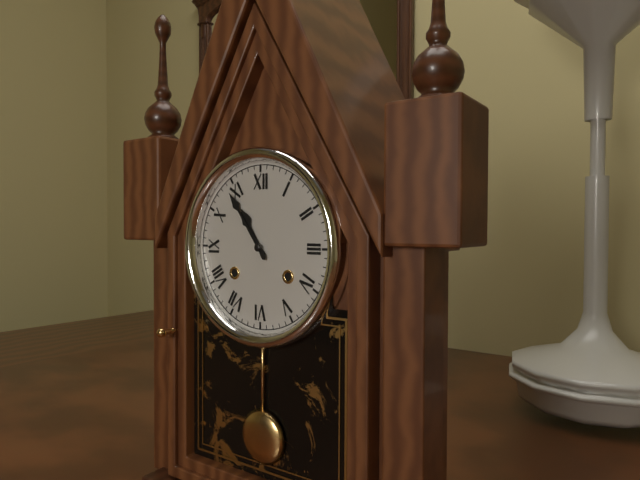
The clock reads {"hour": 10, "minute": 54}
